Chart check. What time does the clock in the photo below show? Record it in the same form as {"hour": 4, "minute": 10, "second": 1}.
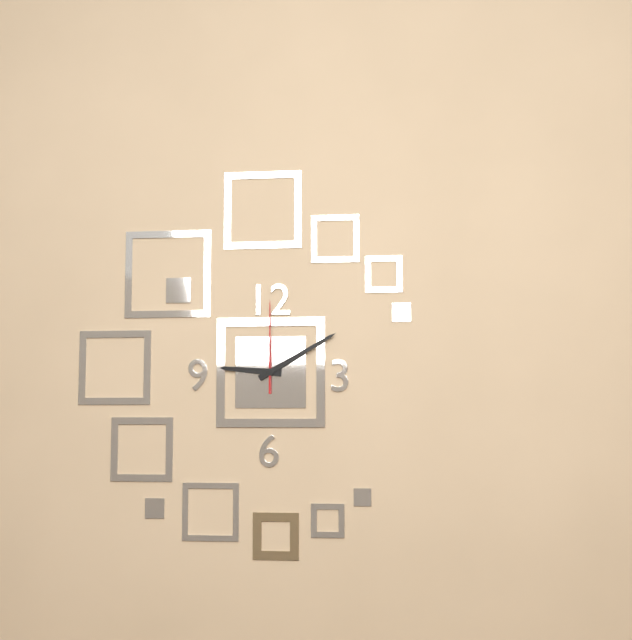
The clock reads {"hour": 9, "minute": 10, "second": 0}
